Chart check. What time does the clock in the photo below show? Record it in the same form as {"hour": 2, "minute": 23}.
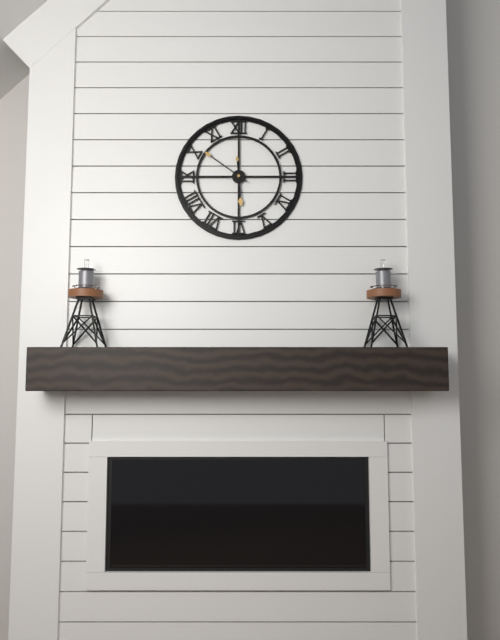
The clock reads {"hour": 5, "minute": 51}
